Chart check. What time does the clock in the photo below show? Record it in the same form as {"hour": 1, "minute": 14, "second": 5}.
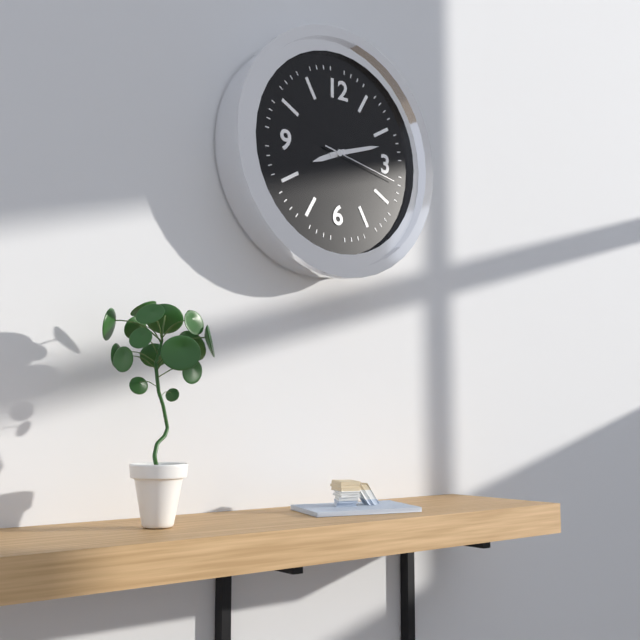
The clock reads {"hour": 8, "minute": 12, "second": 17}
